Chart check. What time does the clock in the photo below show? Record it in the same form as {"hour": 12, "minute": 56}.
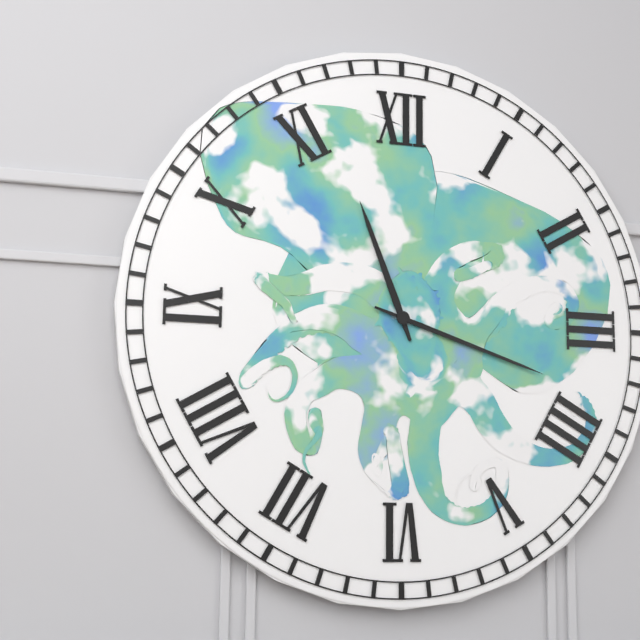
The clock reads {"hour": 11, "minute": 18}
